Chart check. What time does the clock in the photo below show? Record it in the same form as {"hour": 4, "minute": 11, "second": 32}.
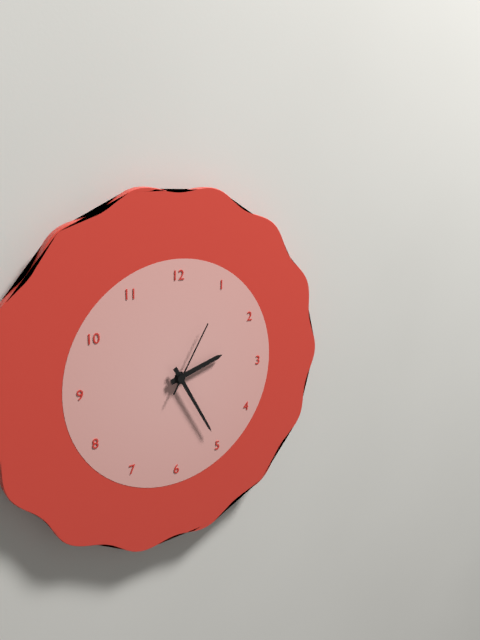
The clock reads {"hour": 2, "minute": 25, "second": 5}
